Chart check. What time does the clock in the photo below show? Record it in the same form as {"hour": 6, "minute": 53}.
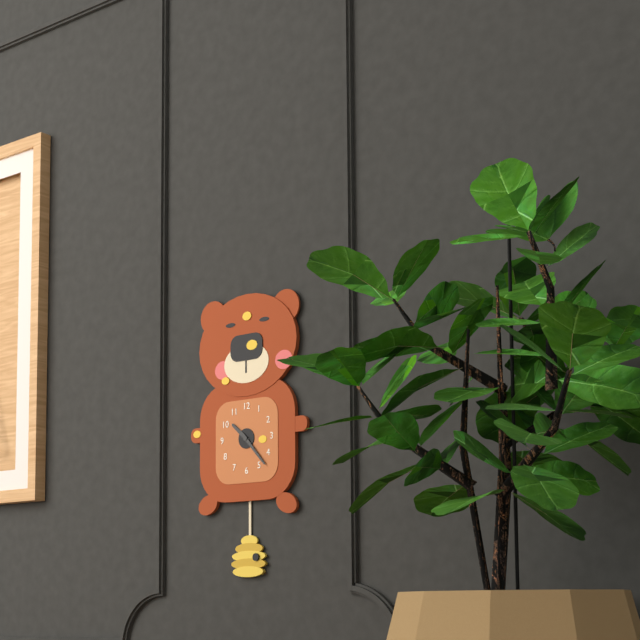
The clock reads {"hour": 10, "minute": 23}
